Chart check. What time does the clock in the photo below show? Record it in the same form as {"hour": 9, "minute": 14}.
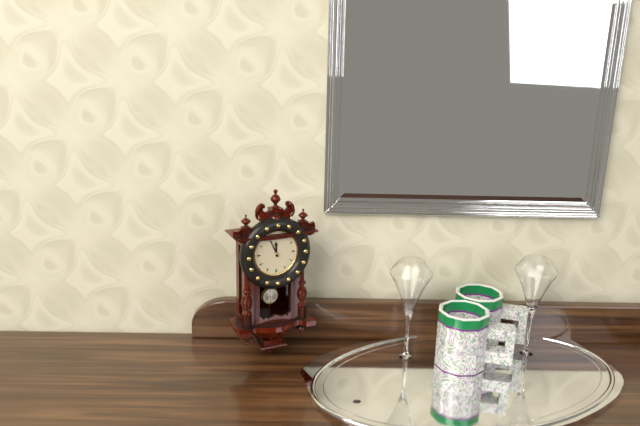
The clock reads {"hour": 11, "minute": 56}
